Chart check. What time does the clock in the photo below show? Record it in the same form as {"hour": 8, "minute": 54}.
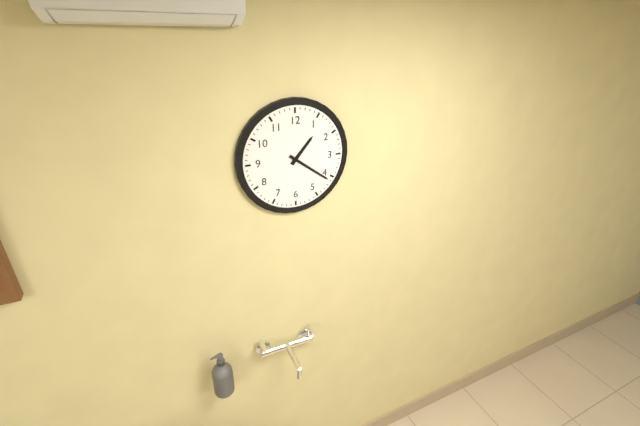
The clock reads {"hour": 1, "minute": 21}
